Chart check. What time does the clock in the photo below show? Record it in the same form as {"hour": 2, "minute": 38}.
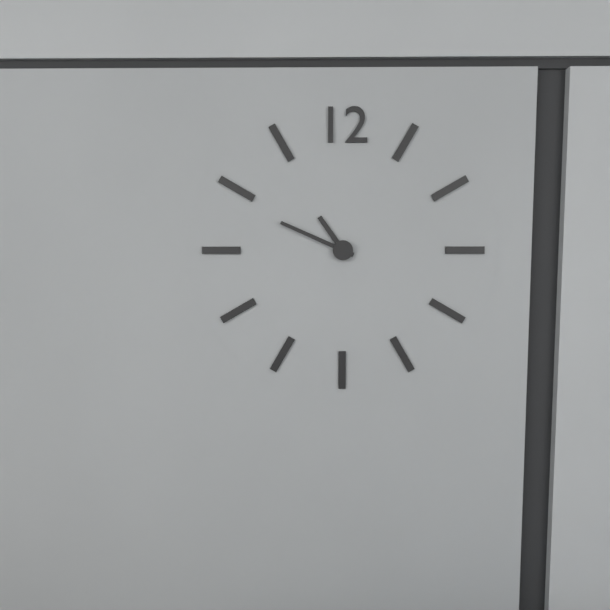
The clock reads {"hour": 10, "minute": 49}
